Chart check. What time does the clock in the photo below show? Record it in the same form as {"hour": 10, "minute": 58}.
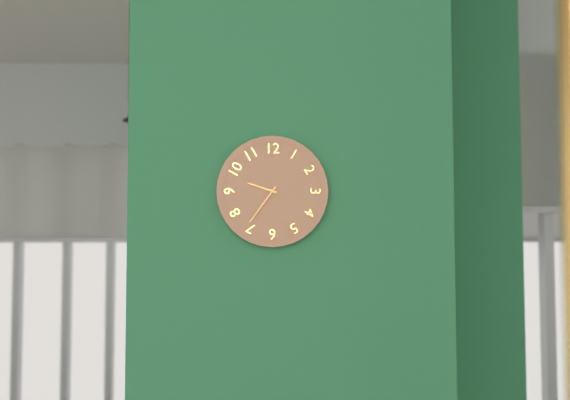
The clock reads {"hour": 9, "minute": 36}
